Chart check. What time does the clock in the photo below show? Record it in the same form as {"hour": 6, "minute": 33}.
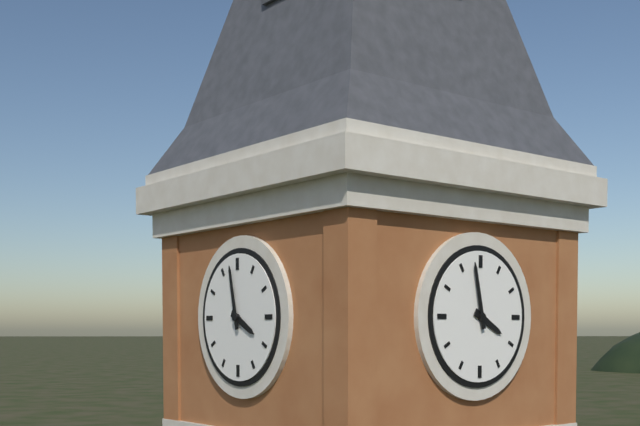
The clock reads {"hour": 3, "minute": 58}
